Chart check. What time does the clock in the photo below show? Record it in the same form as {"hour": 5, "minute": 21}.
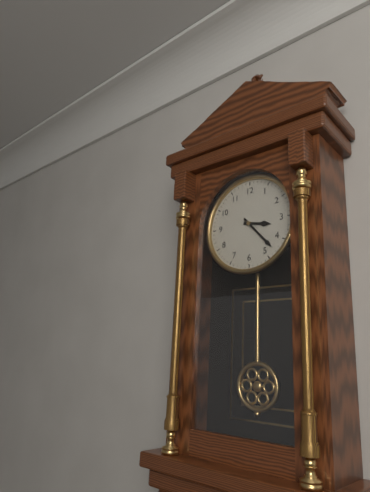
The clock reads {"hour": 3, "minute": 23}
